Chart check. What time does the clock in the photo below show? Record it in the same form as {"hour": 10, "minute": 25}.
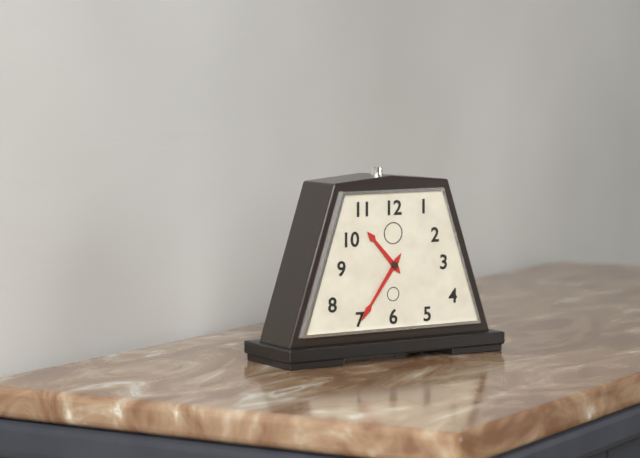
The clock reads {"hour": 10, "minute": 36}
